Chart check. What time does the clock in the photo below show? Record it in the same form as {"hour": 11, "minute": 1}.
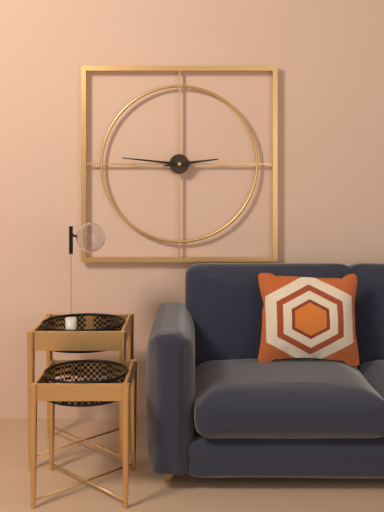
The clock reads {"hour": 2, "minute": 46}
